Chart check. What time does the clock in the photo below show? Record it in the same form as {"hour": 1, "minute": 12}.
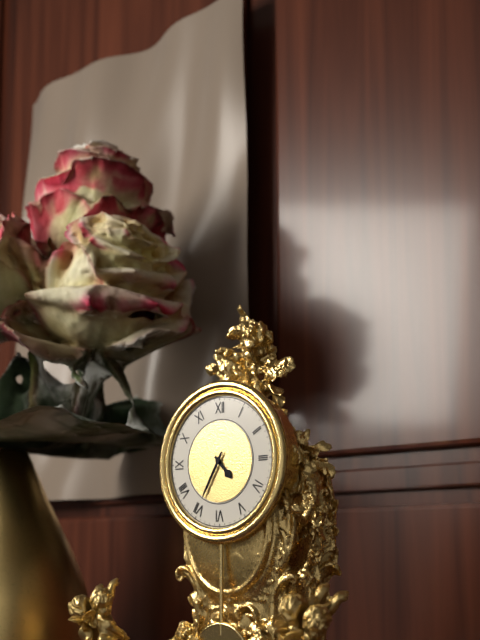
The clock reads {"hour": 4, "minute": 35}
